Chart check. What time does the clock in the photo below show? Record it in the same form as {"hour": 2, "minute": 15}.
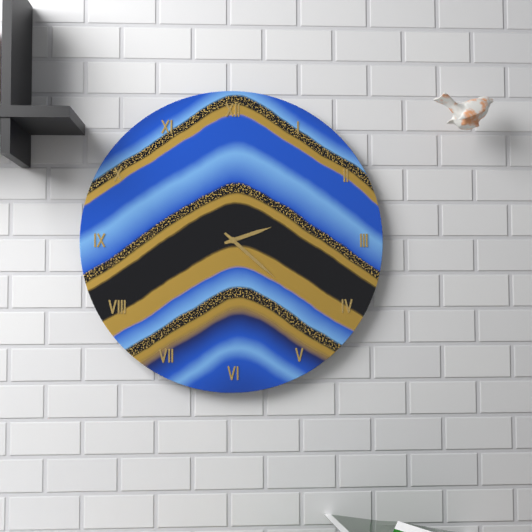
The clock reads {"hour": 2, "minute": 22}
